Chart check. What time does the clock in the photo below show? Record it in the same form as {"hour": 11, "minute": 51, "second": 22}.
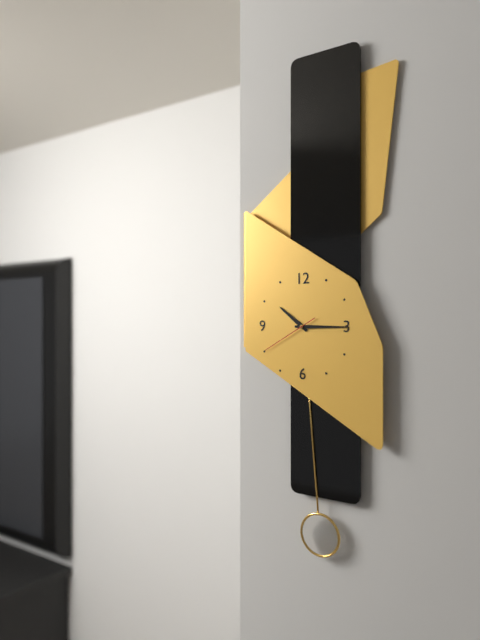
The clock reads {"hour": 10, "minute": 15, "second": 40}
